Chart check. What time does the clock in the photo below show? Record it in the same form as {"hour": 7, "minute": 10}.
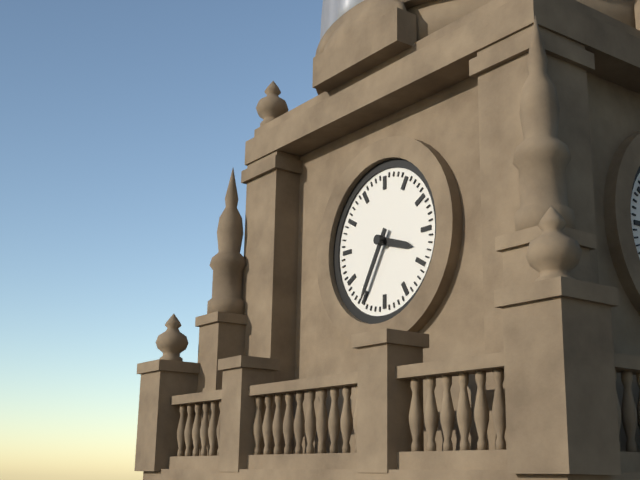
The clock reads {"hour": 3, "minute": 35}
